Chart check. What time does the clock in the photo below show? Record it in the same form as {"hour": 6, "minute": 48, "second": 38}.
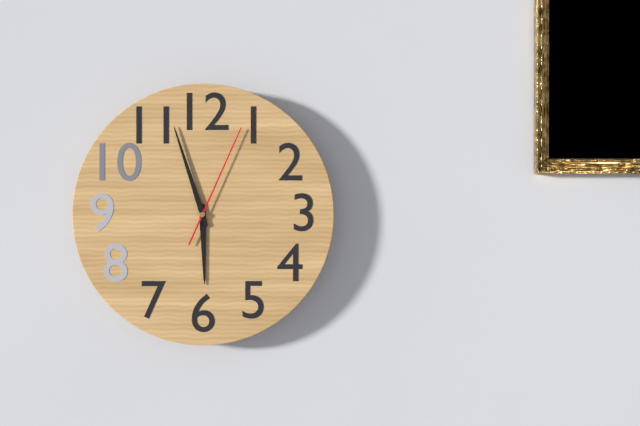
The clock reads {"hour": 5, "minute": 57, "second": 4}
